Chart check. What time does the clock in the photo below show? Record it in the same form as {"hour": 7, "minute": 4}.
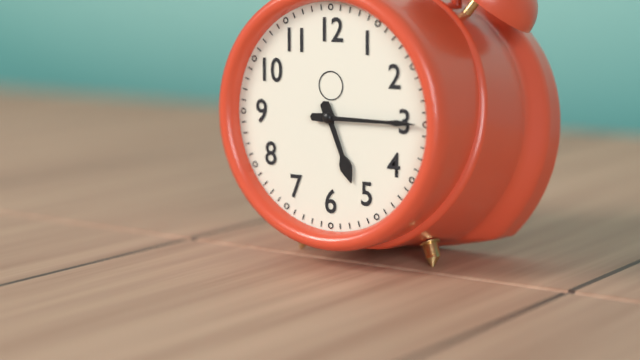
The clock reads {"hour": 5, "minute": 15}
